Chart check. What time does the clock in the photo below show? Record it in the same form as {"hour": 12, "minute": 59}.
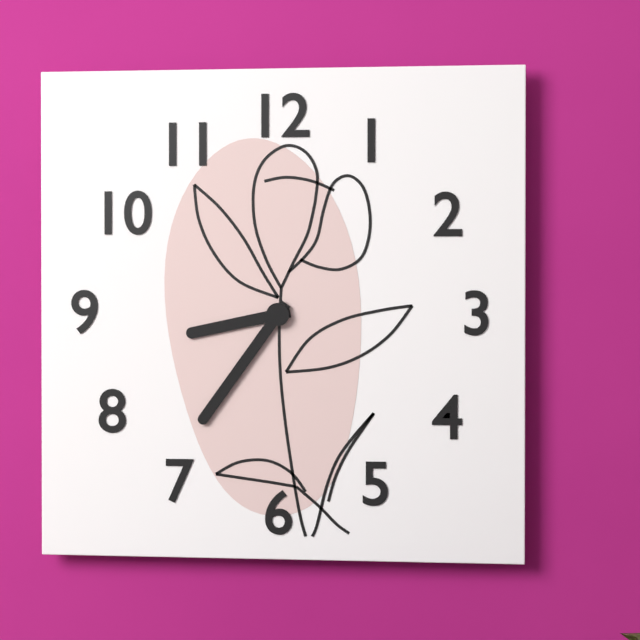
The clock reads {"hour": 8, "minute": 36}
